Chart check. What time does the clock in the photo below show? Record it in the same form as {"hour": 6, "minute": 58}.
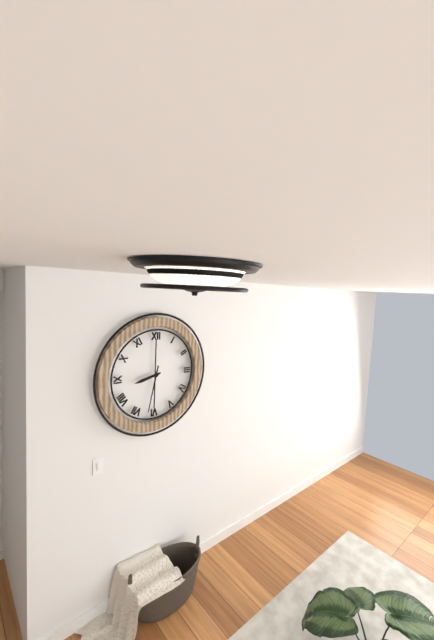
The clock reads {"hour": 8, "minute": 32}
